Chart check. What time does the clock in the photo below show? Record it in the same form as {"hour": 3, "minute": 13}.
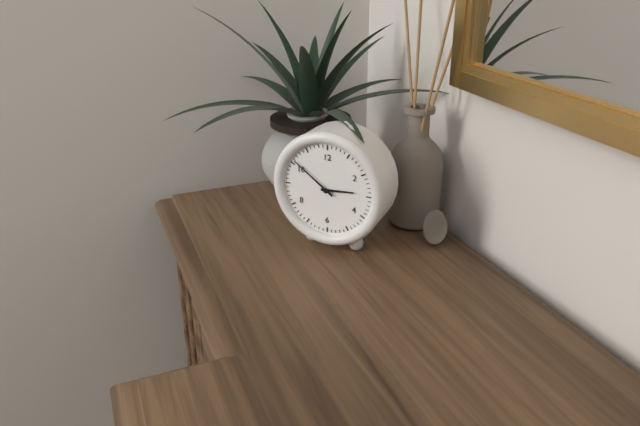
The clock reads {"hour": 2, "minute": 51}
